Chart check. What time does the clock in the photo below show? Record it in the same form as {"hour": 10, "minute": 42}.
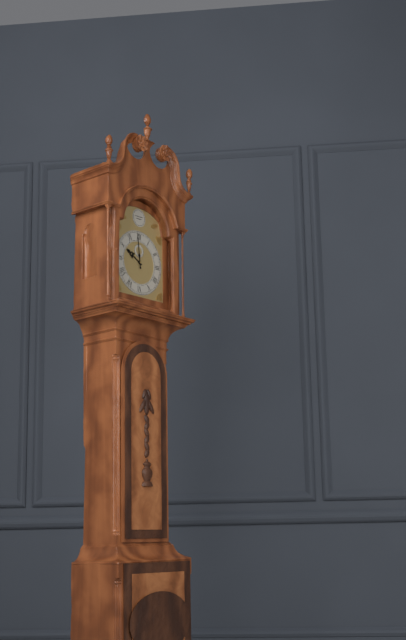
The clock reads {"hour": 9, "minute": 59}
